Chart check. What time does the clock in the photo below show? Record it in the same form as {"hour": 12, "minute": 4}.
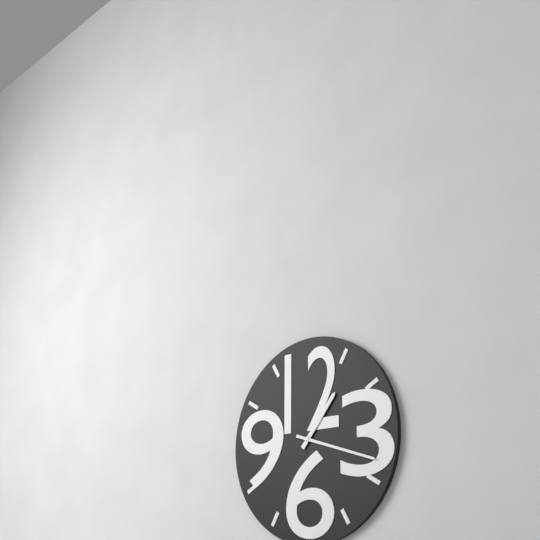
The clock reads {"hour": 1, "minute": 18}
